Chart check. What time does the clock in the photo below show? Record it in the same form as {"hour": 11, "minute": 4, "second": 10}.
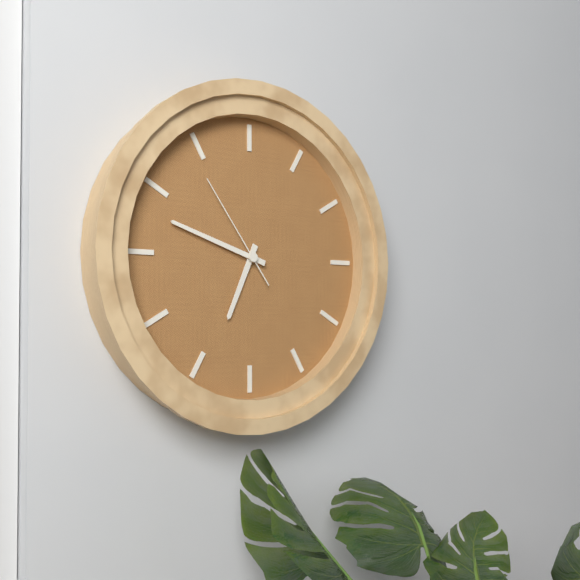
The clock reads {"hour": 6, "minute": 48, "second": 54}
